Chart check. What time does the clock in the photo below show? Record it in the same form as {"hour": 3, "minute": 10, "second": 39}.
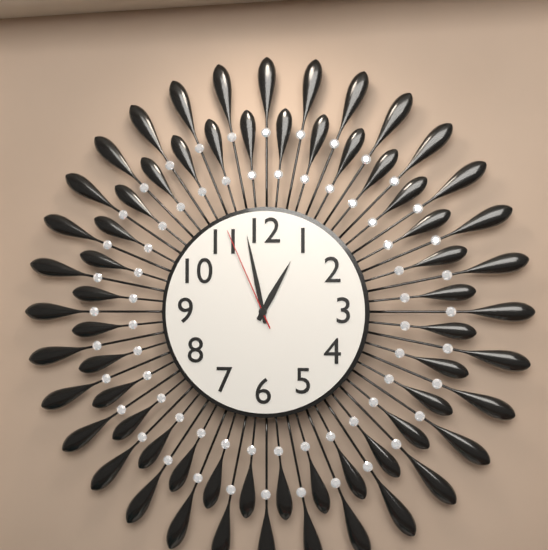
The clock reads {"hour": 12, "minute": 58, "second": 56}
